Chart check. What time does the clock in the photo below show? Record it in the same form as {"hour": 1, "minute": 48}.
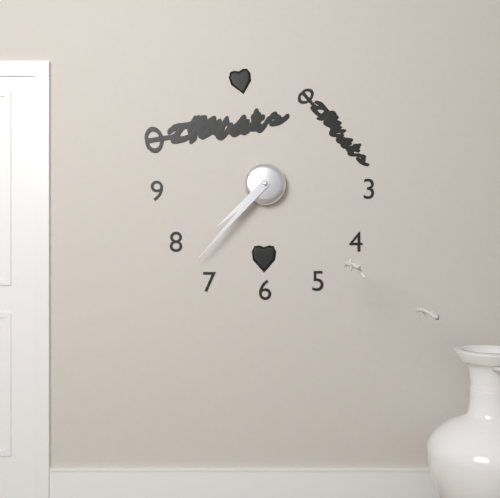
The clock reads {"hour": 7, "minute": 37}
